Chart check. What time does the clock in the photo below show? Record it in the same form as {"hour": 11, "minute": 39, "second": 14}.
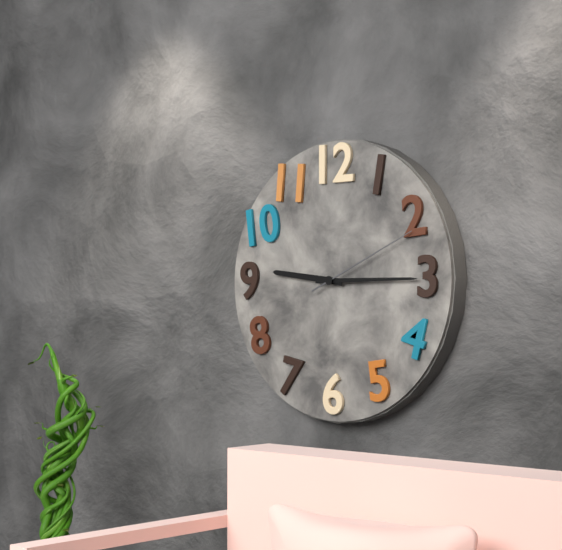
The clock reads {"hour": 9, "minute": 15, "second": 11}
